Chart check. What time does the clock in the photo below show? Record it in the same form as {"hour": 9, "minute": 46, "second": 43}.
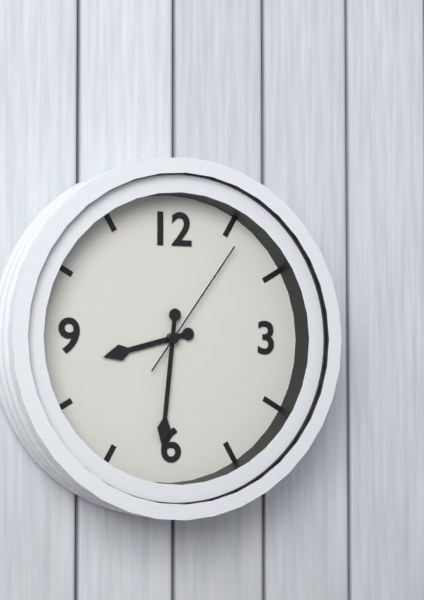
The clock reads {"hour": 8, "minute": 31, "second": 6}
